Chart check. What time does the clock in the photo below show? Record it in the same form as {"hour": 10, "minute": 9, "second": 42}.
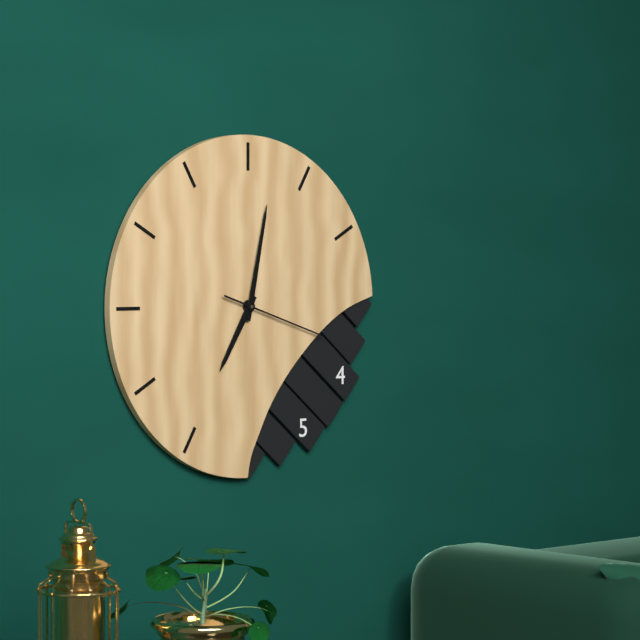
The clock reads {"hour": 7, "minute": 2, "second": 18}
